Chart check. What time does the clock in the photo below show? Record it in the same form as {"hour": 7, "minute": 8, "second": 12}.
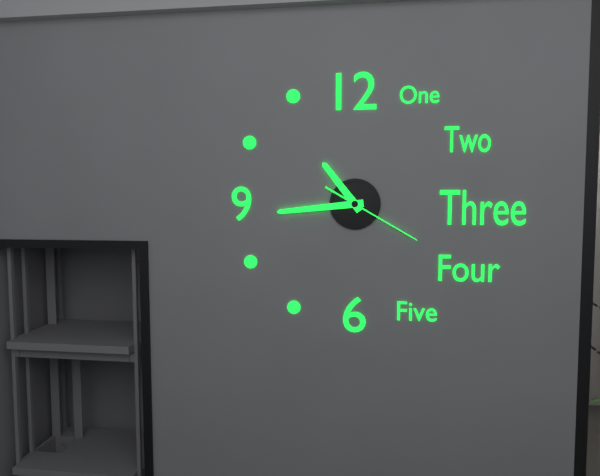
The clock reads {"hour": 10, "minute": 44, "second": 20}
